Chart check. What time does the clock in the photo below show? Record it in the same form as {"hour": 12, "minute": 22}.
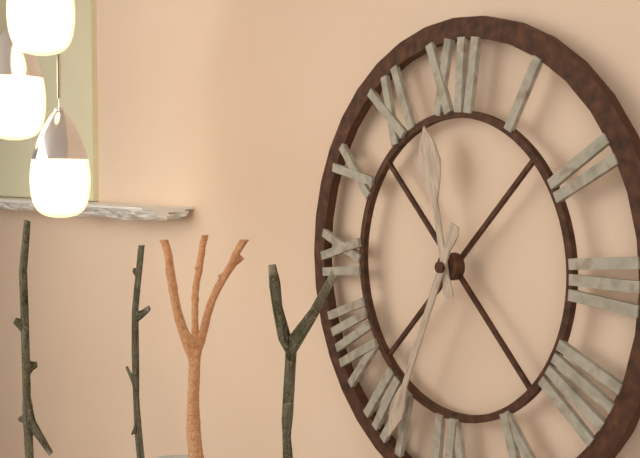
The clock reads {"hour": 11, "minute": 34}
